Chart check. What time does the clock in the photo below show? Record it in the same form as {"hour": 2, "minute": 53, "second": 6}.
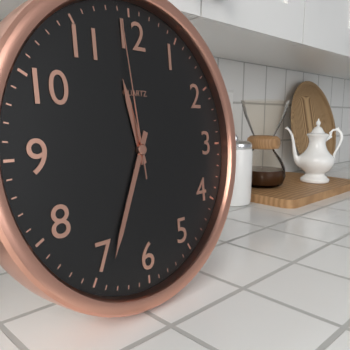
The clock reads {"hour": 11, "minute": 34, "second": 59}
